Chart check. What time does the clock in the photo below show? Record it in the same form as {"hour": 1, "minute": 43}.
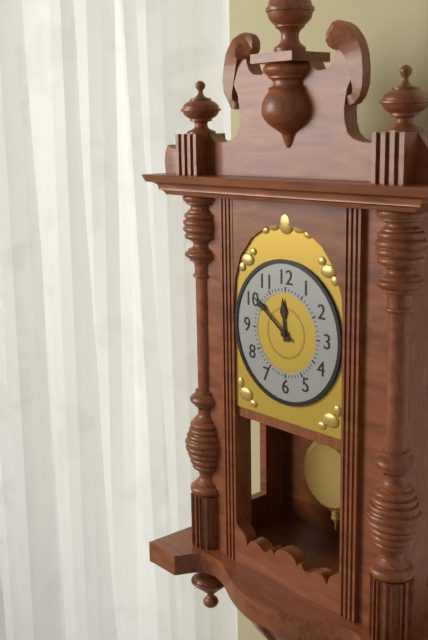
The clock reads {"hour": 11, "minute": 51}
